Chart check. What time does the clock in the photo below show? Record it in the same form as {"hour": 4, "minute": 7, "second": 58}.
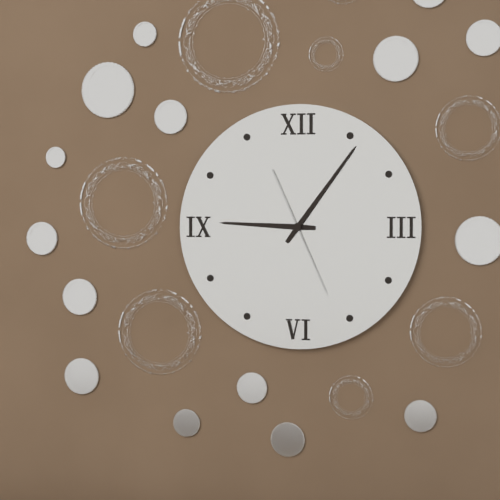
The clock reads {"hour": 9, "minute": 6, "second": 26}
